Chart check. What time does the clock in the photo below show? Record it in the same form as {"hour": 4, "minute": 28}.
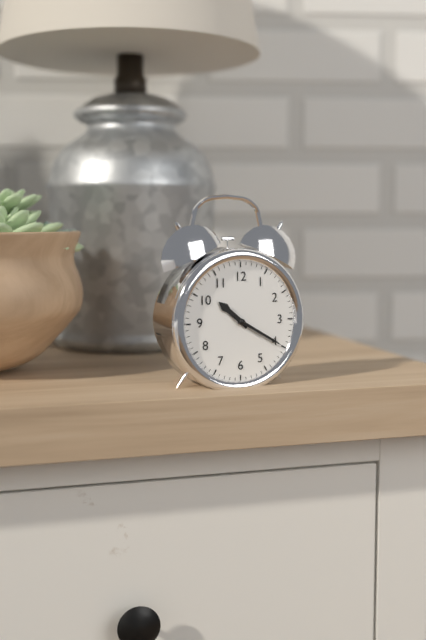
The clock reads {"hour": 10, "minute": 20}
